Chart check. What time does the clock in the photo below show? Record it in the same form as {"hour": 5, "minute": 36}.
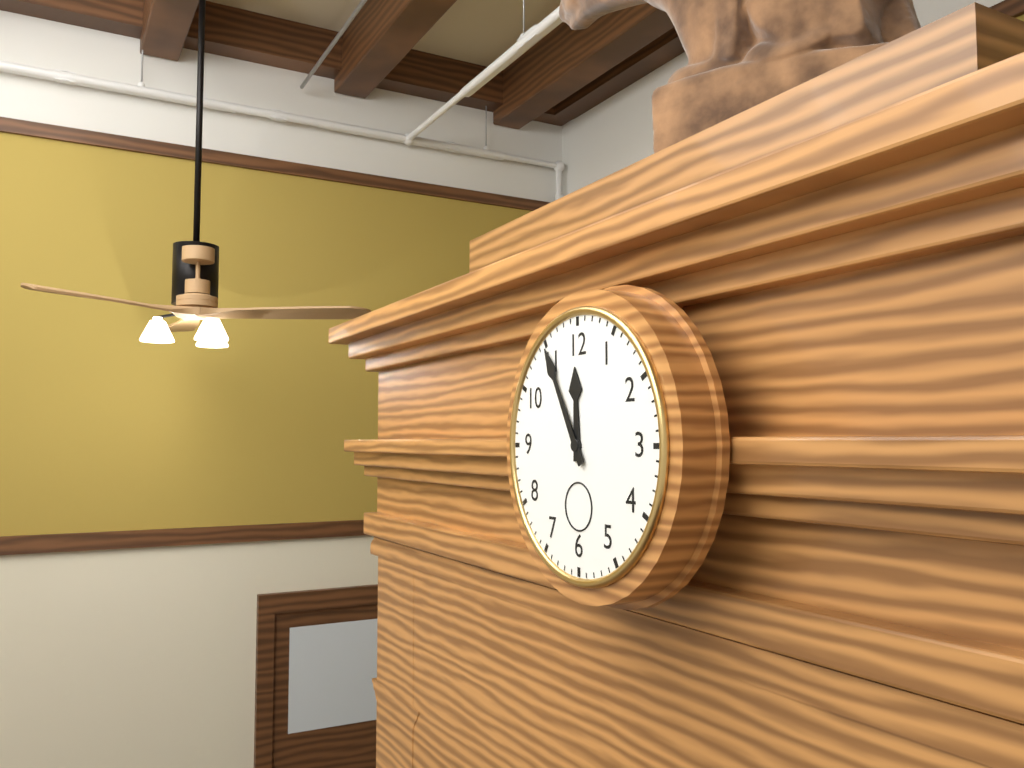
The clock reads {"hour": 11, "minute": 55}
